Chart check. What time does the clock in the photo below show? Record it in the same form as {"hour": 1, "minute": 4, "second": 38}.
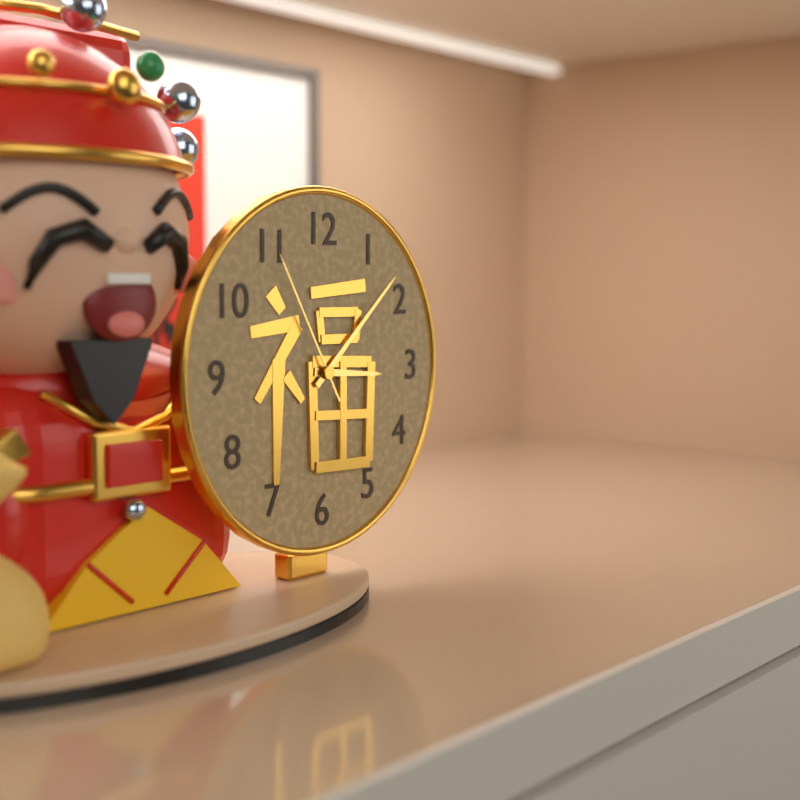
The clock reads {"hour": 3, "minute": 8, "second": 55}
